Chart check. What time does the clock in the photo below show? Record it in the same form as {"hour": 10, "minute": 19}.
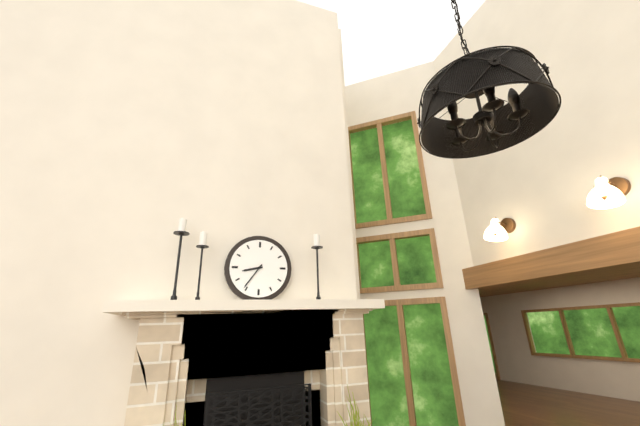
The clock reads {"hour": 8, "minute": 36}
